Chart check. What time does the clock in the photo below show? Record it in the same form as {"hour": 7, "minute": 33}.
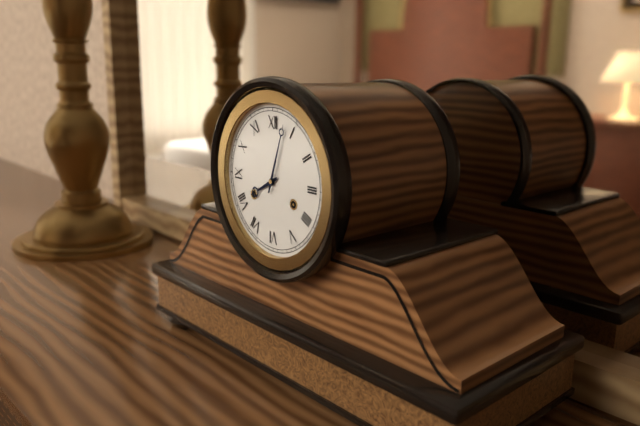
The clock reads {"hour": 8, "minute": 3}
